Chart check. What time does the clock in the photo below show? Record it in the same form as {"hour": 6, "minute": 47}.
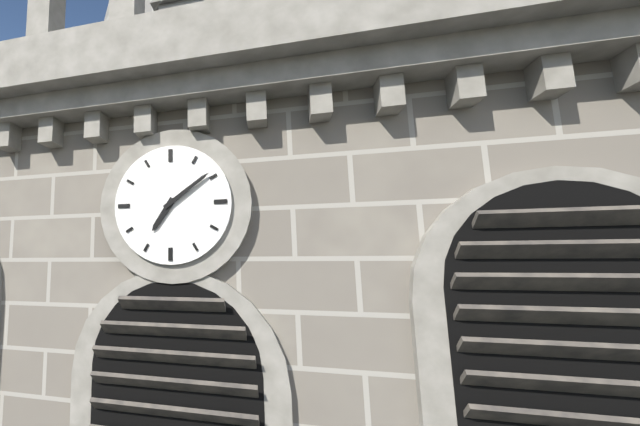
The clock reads {"hour": 7, "minute": 9}
